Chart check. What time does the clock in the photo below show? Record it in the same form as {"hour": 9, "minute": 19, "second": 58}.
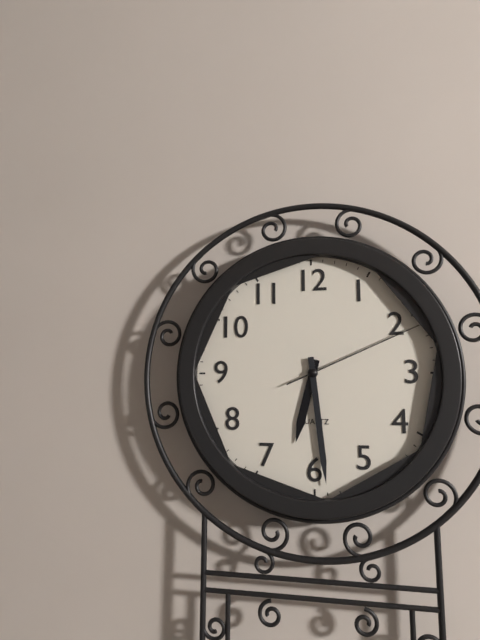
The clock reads {"hour": 6, "minute": 29, "second": 11}
